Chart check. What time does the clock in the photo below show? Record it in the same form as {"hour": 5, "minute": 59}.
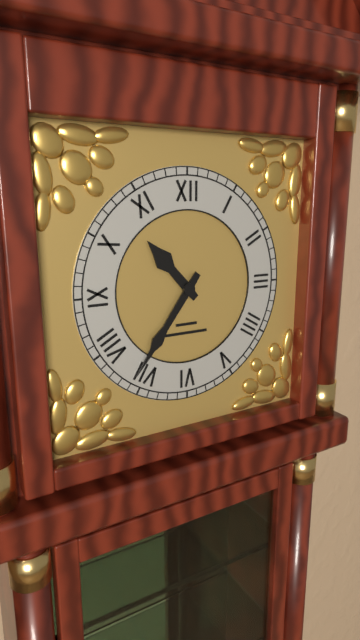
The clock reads {"hour": 10, "minute": 36}
